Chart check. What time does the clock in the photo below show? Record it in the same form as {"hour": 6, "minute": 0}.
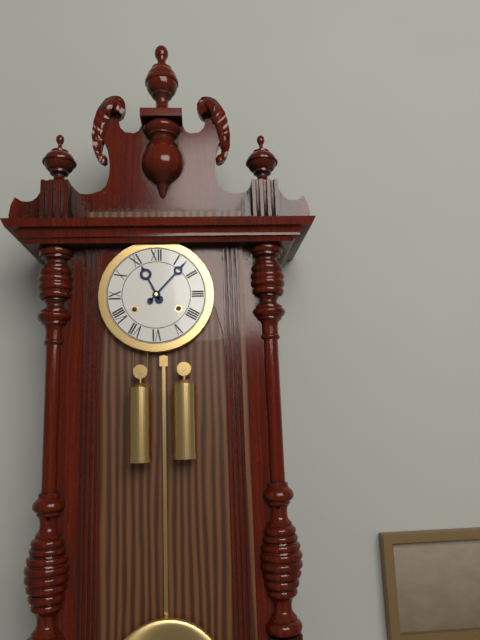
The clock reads {"hour": 11, "minute": 7}
